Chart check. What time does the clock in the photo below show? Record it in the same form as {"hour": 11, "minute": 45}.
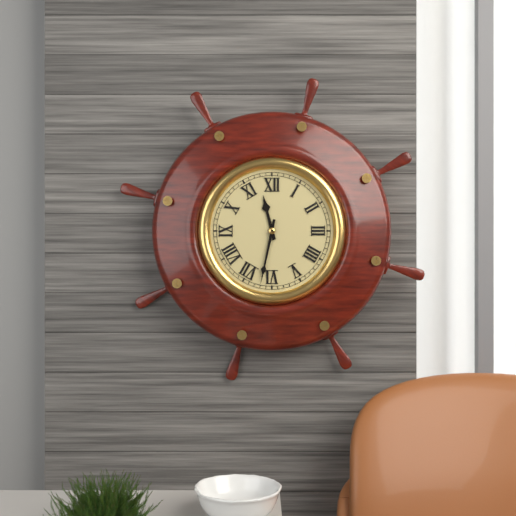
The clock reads {"hour": 11, "minute": 32}
